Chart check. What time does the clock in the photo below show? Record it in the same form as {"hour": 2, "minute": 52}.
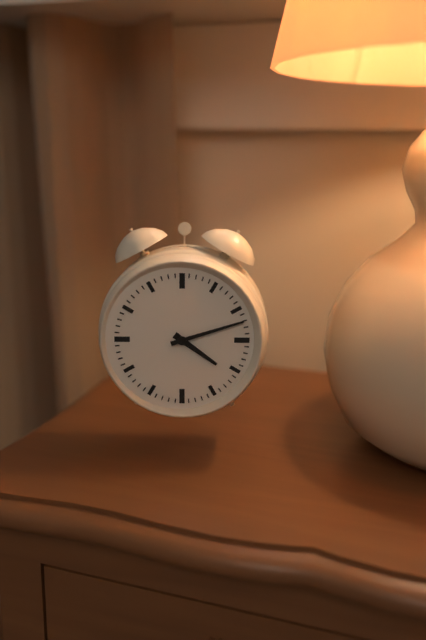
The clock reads {"hour": 4, "minute": 12}
